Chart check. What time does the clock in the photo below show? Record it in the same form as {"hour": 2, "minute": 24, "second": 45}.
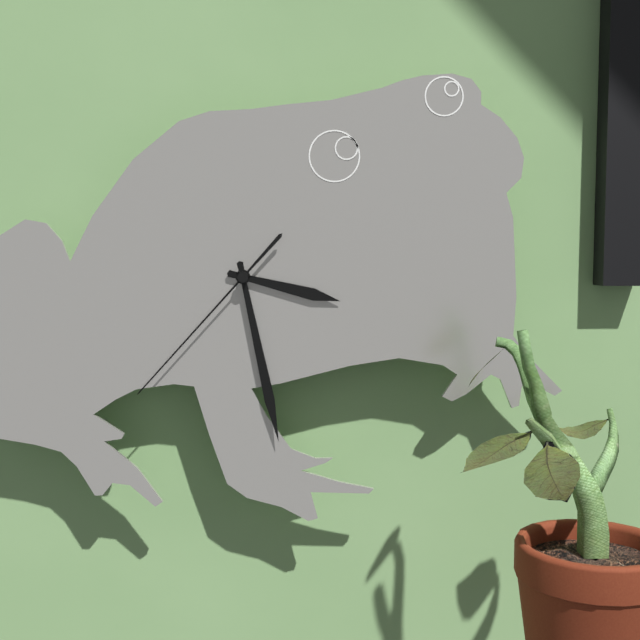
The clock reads {"hour": 3, "minute": 28, "second": 37}
